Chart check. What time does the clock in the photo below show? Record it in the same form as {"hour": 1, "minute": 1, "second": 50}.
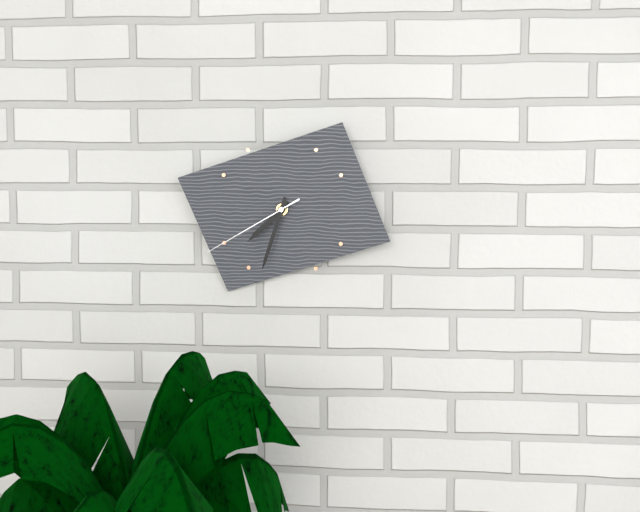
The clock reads {"hour": 7, "minute": 33, "second": 40}
